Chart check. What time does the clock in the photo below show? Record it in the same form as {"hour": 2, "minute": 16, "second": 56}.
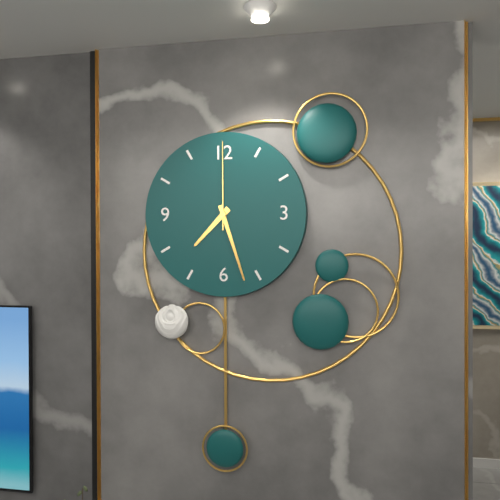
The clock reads {"hour": 7, "minute": 27, "second": 0}
